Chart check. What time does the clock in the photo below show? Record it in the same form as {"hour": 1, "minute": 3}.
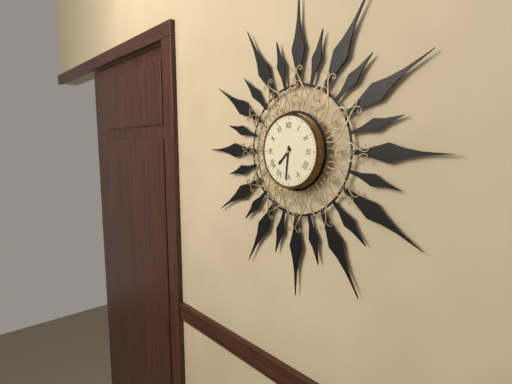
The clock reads {"hour": 7, "minute": 31}
